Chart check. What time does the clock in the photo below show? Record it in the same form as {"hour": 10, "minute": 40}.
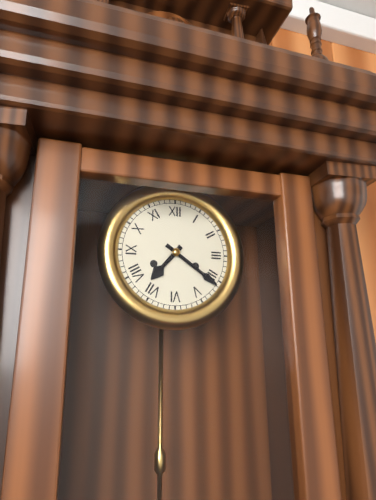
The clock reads {"hour": 7, "minute": 21}
